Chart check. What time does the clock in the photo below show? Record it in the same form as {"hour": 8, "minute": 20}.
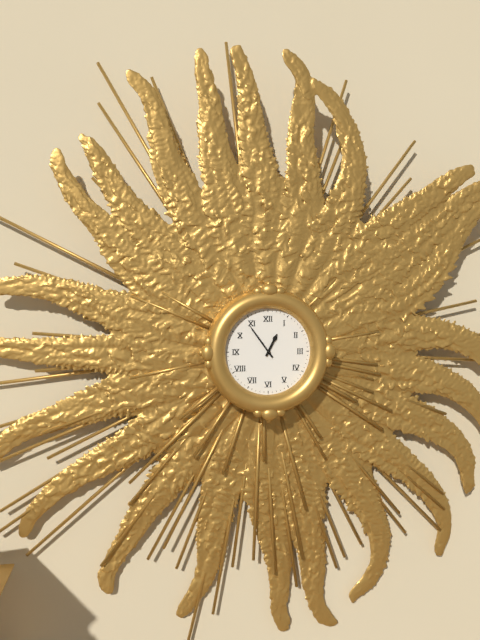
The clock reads {"hour": 12, "minute": 54}
